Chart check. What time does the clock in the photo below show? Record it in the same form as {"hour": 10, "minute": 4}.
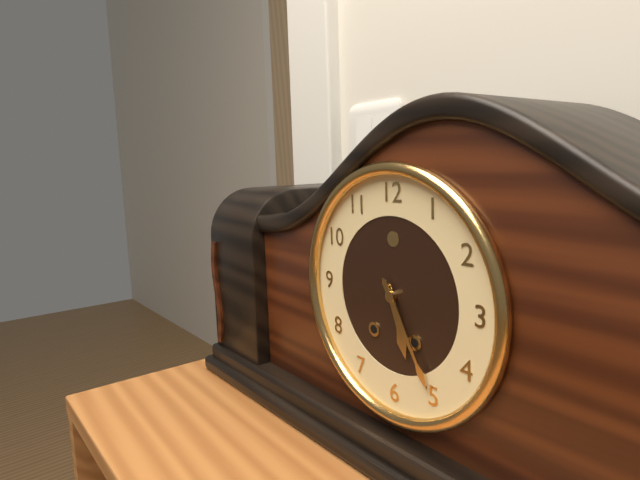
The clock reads {"hour": 5, "minute": 25}
